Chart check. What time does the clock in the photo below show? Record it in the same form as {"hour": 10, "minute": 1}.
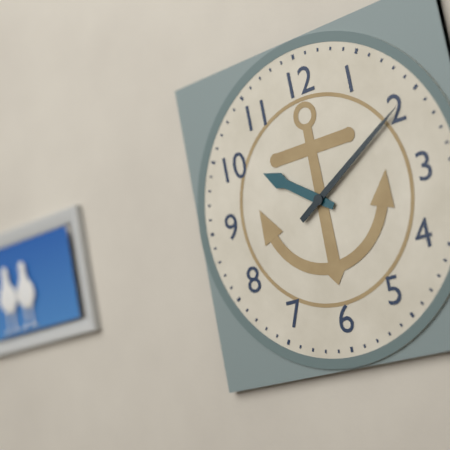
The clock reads {"hour": 10, "minute": 10}
